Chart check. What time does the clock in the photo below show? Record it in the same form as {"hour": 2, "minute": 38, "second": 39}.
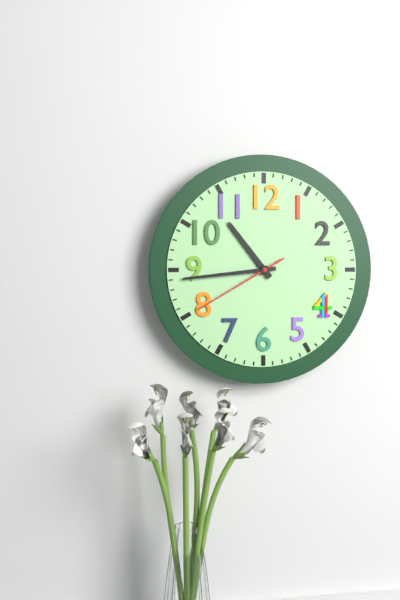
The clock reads {"hour": 10, "minute": 44, "second": 40}
